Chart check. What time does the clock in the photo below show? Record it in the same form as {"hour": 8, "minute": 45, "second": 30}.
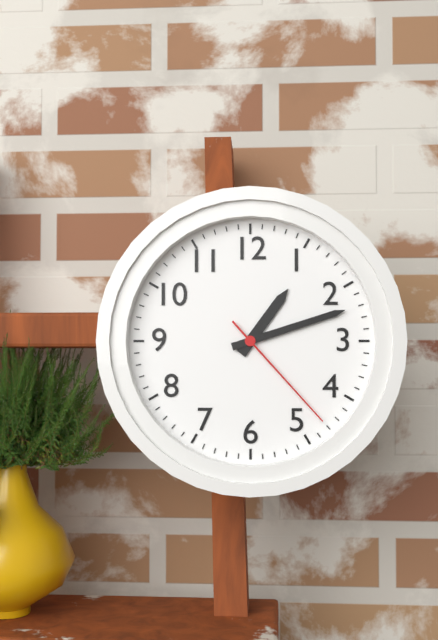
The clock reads {"hour": 1, "minute": 12, "second": 23}
